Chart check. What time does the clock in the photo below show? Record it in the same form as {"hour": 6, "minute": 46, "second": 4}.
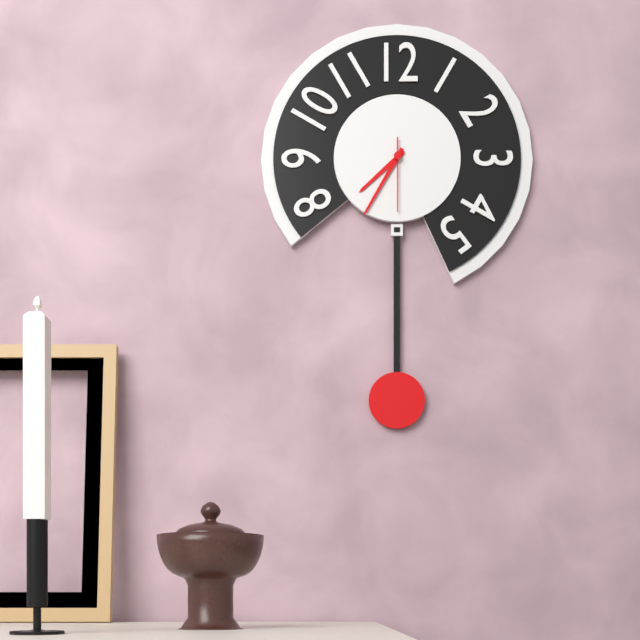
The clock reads {"hour": 7, "minute": 35, "second": 30}
